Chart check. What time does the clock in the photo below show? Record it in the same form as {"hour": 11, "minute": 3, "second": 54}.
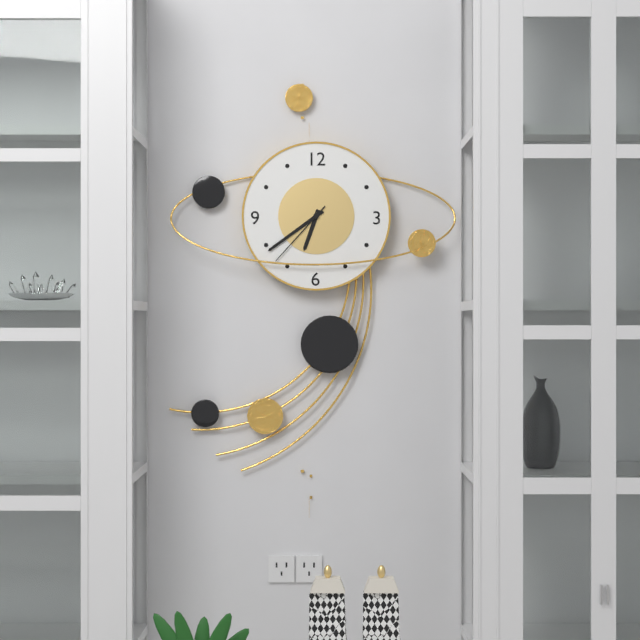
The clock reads {"hour": 6, "minute": 39, "second": 37}
